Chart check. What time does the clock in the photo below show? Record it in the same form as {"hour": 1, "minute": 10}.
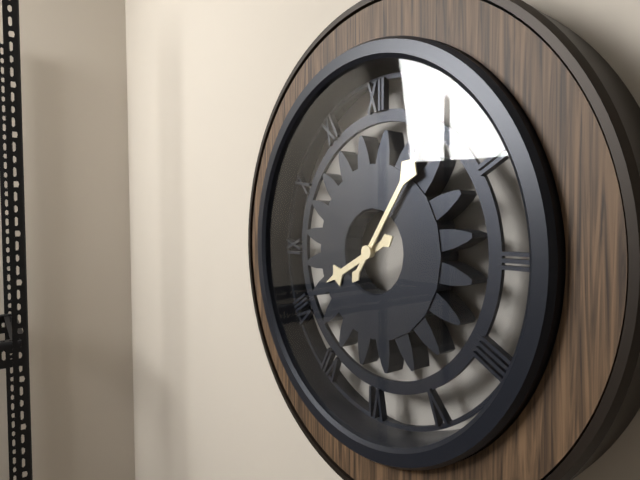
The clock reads {"hour": 8, "minute": 6}
